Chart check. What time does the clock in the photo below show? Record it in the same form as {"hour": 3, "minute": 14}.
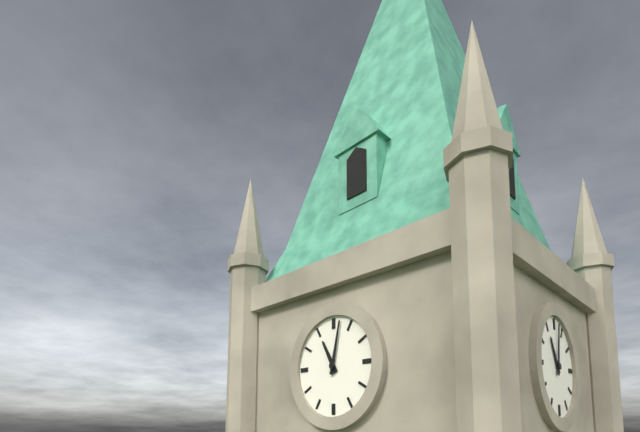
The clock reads {"hour": 11, "minute": 2}
